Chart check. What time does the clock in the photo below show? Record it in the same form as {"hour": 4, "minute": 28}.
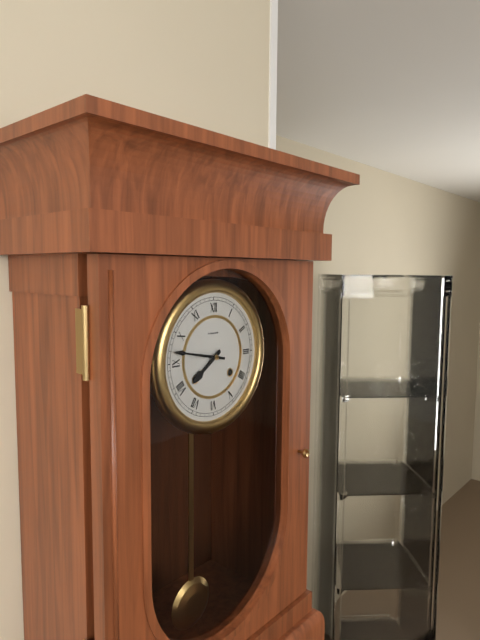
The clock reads {"hour": 7, "minute": 47}
